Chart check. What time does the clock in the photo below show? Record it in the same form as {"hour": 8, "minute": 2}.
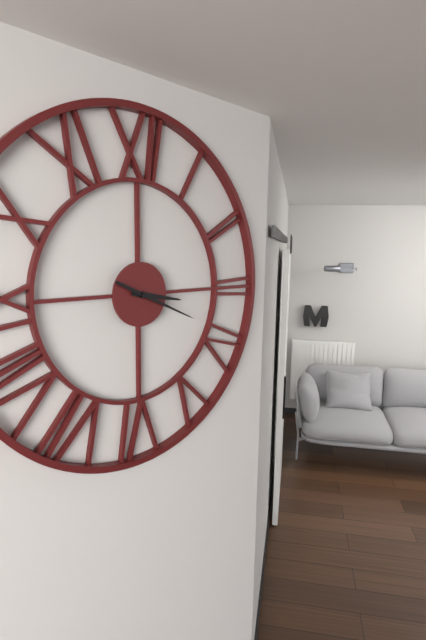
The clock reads {"hour": 3, "minute": 19}
